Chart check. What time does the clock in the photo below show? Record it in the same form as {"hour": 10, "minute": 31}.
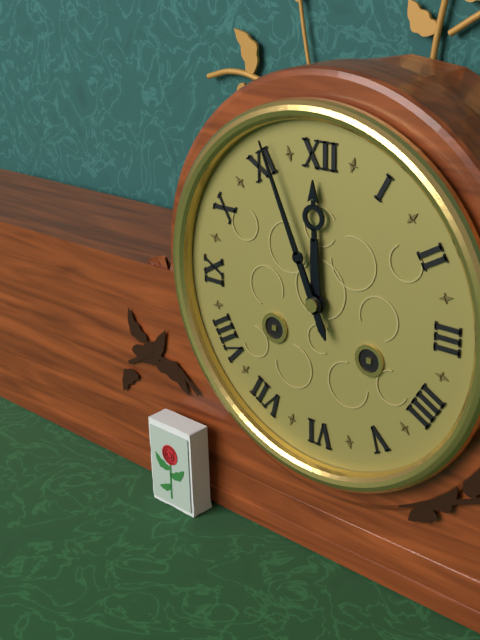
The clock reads {"hour": 11, "minute": 56}
